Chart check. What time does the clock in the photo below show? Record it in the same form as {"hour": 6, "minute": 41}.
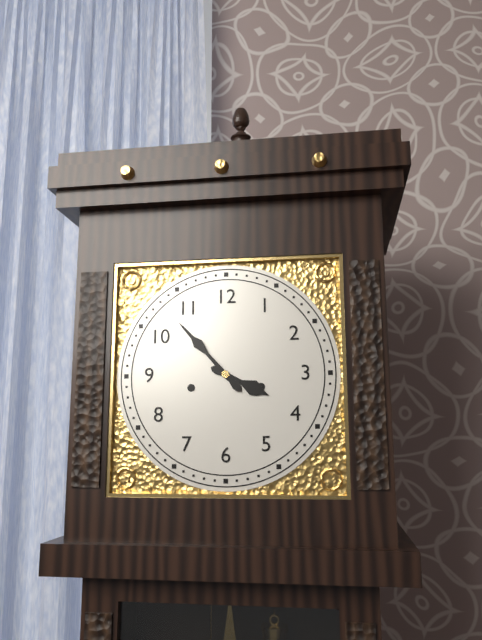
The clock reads {"hour": 3, "minute": 53}
